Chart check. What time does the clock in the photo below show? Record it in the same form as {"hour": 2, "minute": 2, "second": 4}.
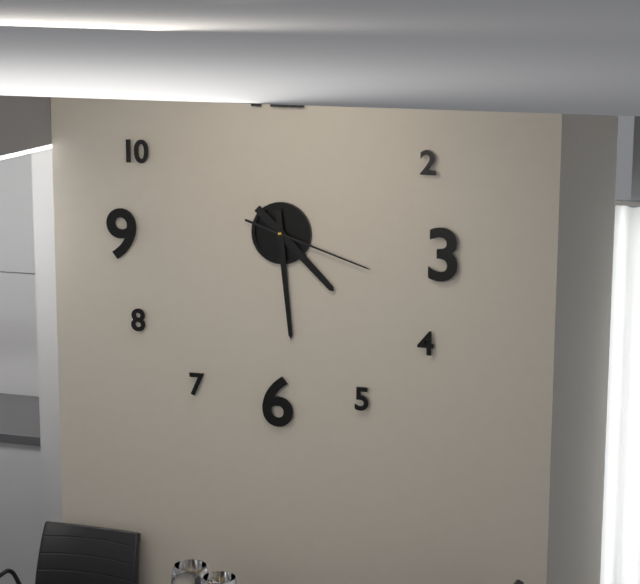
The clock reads {"hour": 4, "minute": 29, "second": 18}
